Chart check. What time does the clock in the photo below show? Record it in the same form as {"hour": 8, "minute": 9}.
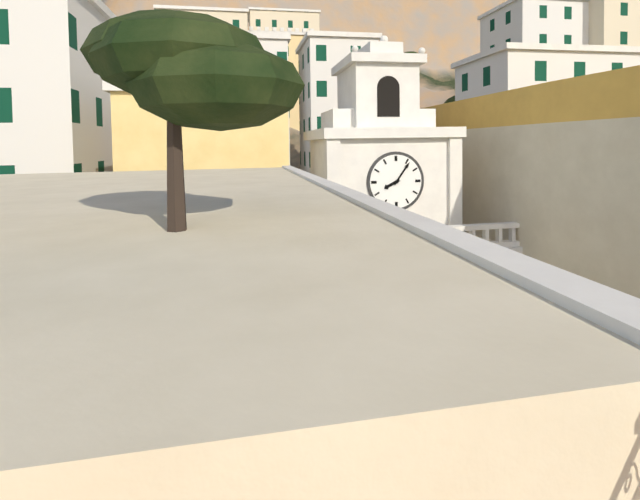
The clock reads {"hour": 8, "minute": 6}
